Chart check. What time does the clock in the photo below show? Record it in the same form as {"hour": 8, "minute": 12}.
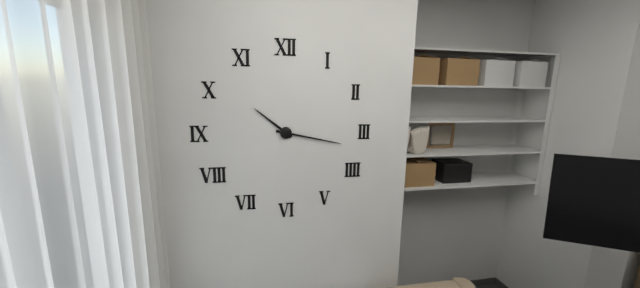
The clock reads {"hour": 10, "minute": 17}
